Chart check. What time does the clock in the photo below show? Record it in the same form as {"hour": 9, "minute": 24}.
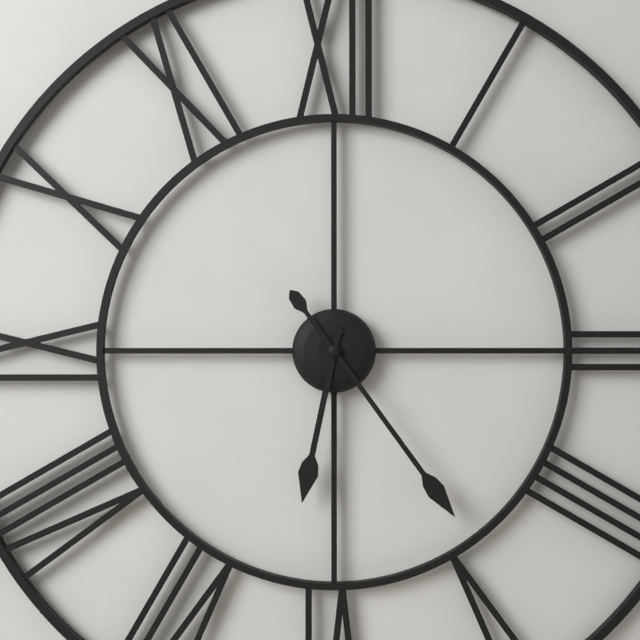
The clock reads {"hour": 6, "minute": 24}
